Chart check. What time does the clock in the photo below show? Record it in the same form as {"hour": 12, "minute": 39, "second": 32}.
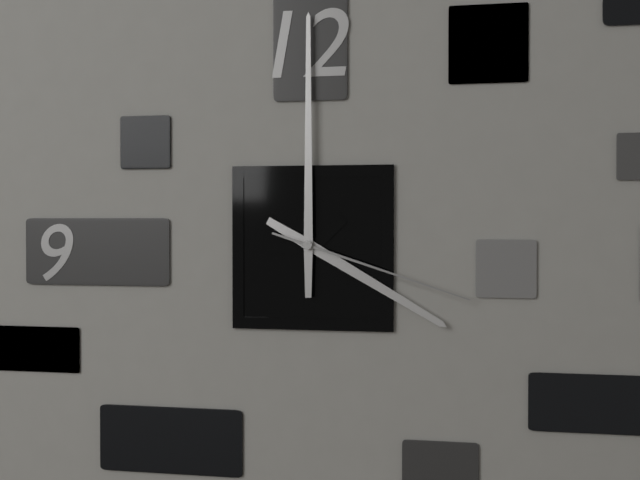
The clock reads {"hour": 4, "minute": 0, "second": 18}
